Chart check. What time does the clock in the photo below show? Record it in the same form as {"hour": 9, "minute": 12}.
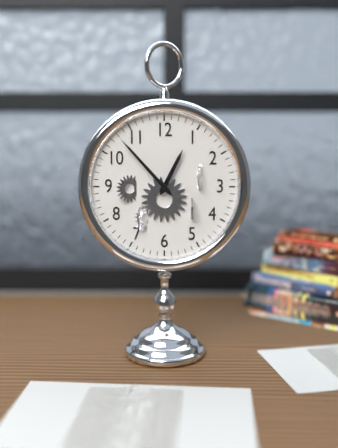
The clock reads {"hour": 12, "minute": 53}
